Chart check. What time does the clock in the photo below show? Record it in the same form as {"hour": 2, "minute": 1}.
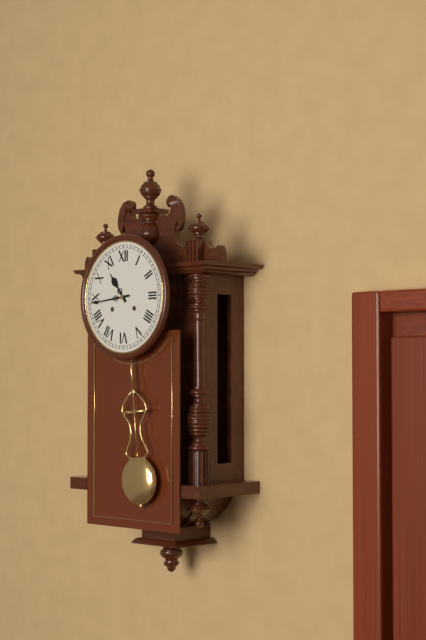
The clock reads {"hour": 10, "minute": 44}
